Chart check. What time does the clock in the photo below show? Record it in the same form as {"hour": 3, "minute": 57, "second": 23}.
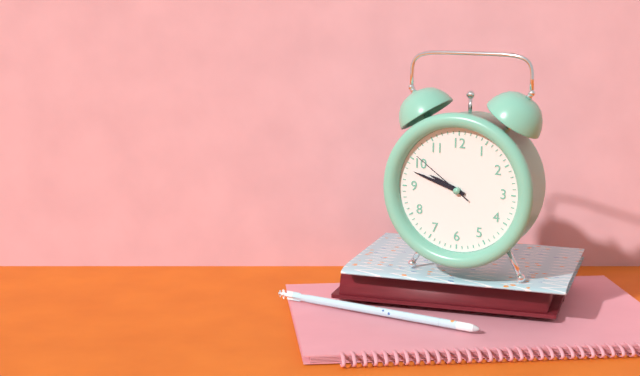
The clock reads {"hour": 9, "minute": 48, "second": 51}
